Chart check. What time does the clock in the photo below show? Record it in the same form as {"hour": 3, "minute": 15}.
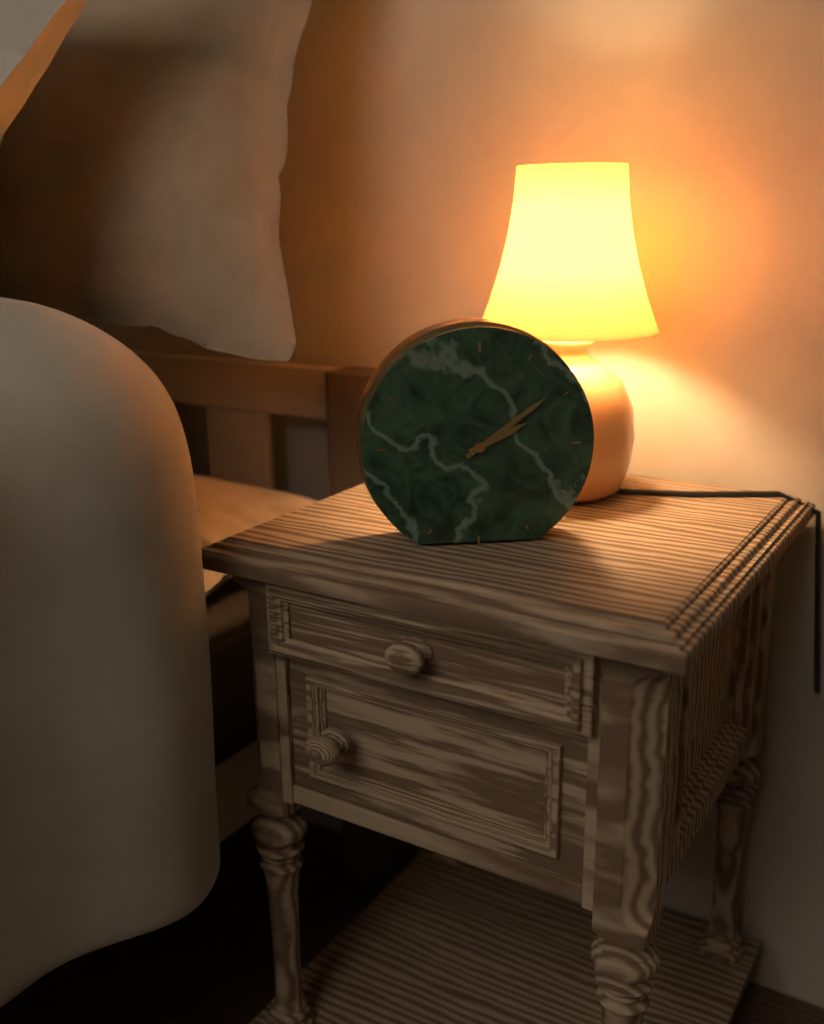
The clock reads {"hour": 2, "minute": 9}
